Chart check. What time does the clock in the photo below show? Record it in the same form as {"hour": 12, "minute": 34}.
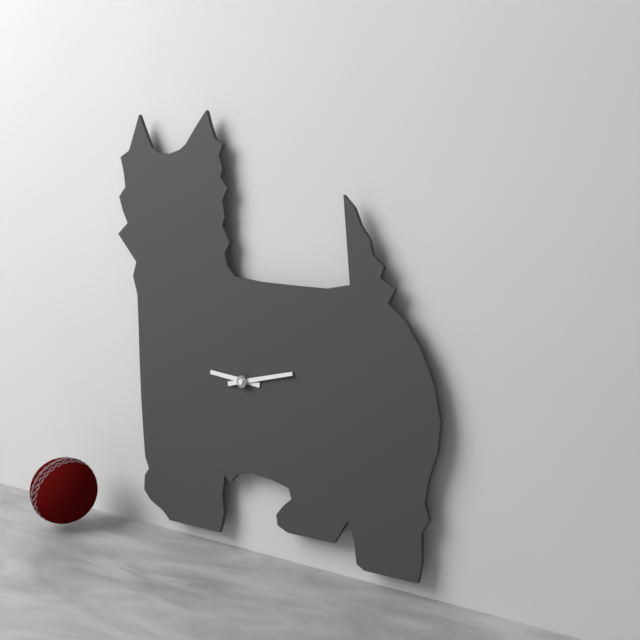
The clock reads {"hour": 9, "minute": 13}
